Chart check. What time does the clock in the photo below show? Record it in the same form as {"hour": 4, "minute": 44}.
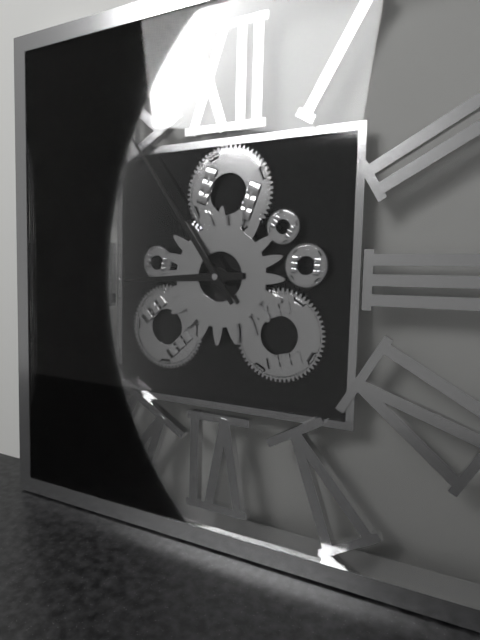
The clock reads {"hour": 8, "minute": 54}
